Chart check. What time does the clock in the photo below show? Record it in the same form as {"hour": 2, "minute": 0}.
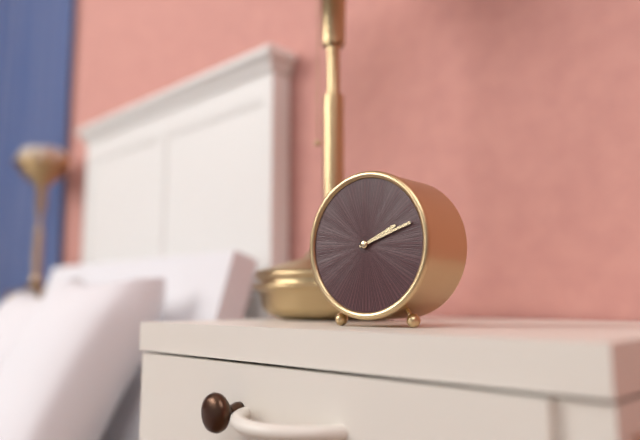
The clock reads {"hour": 2, "minute": 12}
